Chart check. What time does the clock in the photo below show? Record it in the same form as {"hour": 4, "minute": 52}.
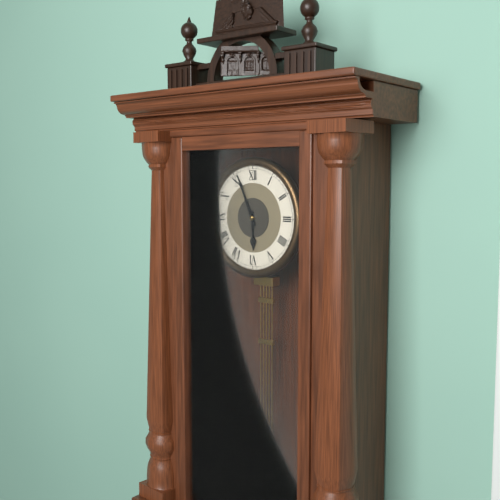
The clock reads {"hour": 5, "minute": 56}
